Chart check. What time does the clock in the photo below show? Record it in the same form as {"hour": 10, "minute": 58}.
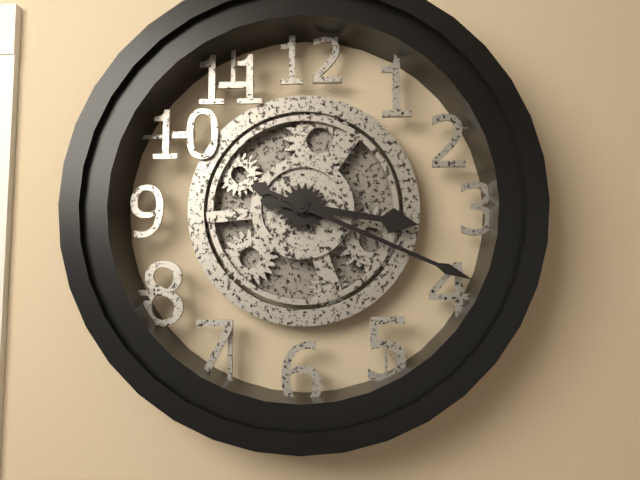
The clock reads {"hour": 3, "minute": 19}
